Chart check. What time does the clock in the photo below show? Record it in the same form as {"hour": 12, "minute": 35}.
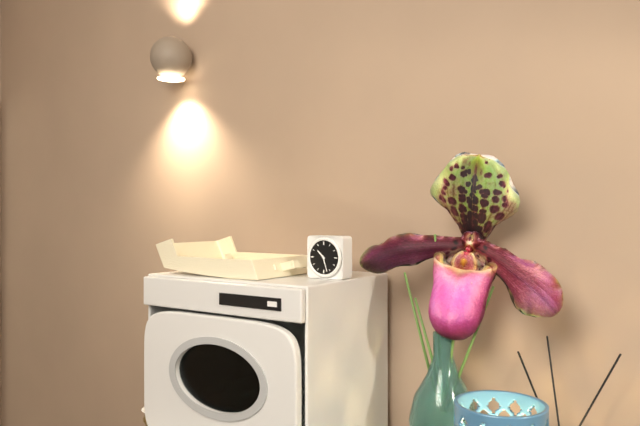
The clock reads {"hour": 10, "minute": 27}
